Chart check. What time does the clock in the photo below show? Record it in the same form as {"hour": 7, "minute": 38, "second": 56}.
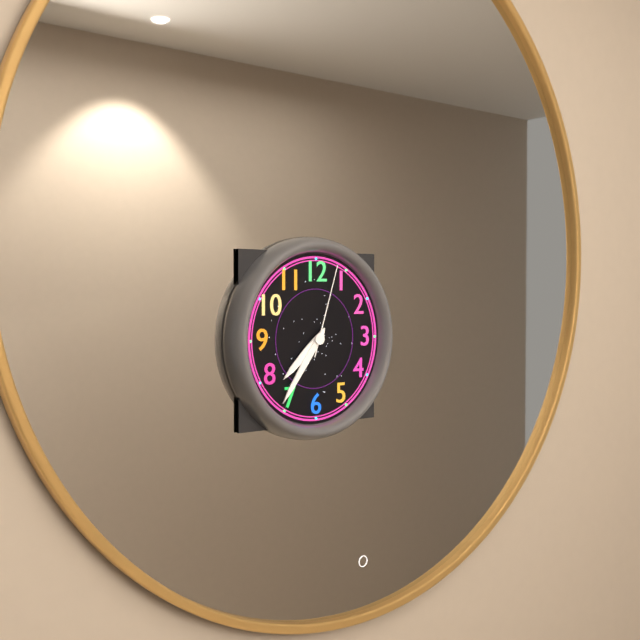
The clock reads {"hour": 7, "minute": 36, "second": 3}
